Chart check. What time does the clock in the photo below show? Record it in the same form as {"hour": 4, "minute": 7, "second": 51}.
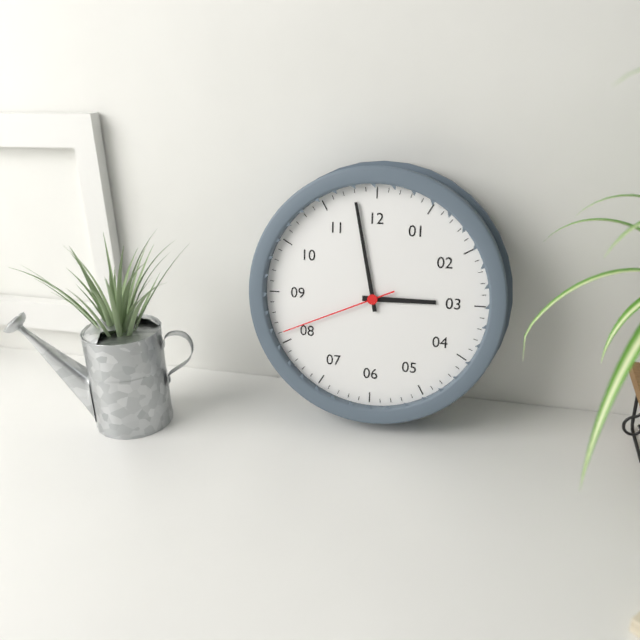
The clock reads {"hour": 2, "minute": 58, "second": 41}
